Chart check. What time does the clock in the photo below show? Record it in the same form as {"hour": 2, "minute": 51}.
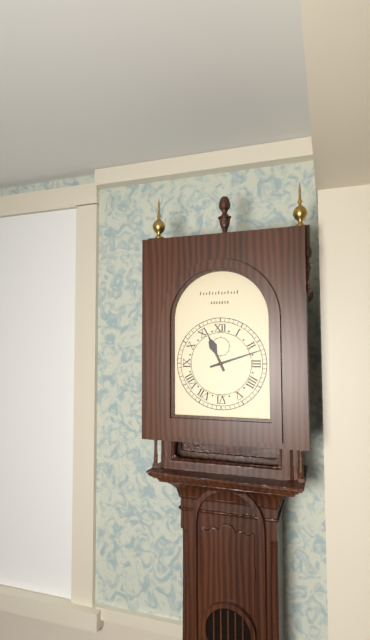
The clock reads {"hour": 11, "minute": 12}
